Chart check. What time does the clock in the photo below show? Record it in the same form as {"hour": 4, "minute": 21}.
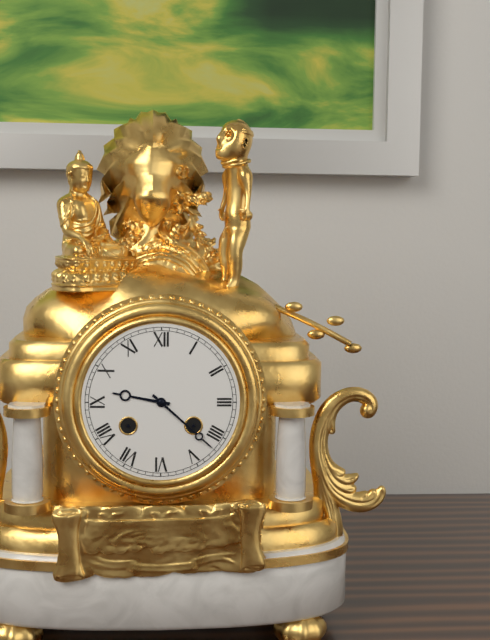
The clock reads {"hour": 9, "minute": 22}
